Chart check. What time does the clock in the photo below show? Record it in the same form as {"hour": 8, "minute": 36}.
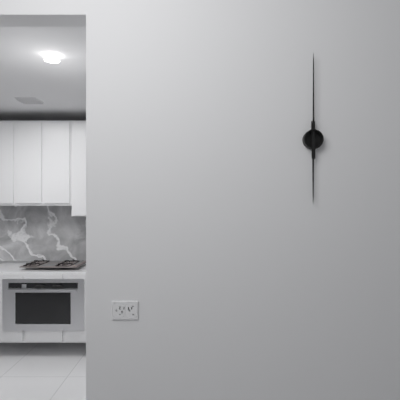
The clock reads {"hour": 6, "minute": 0}
